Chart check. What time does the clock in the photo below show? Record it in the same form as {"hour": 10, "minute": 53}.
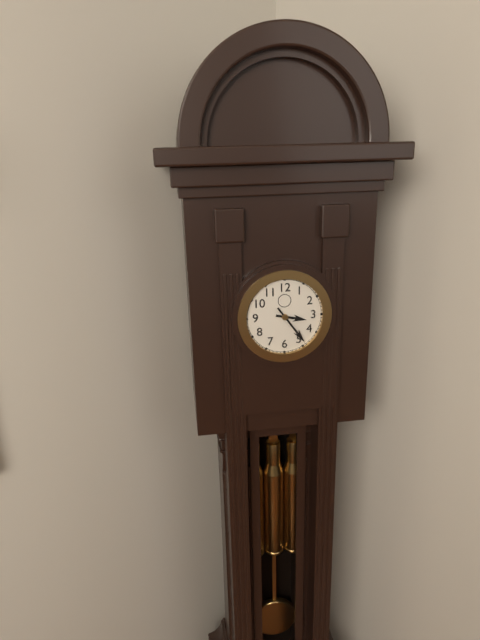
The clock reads {"hour": 3, "minute": 24}
